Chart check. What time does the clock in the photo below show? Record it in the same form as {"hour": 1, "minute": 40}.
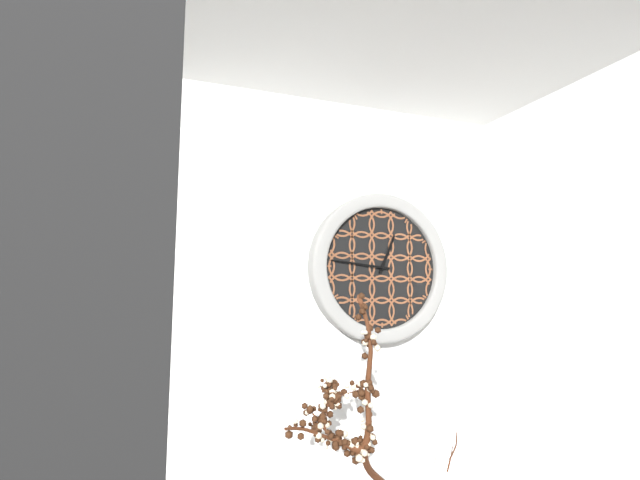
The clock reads {"hour": 12, "minute": 46}
